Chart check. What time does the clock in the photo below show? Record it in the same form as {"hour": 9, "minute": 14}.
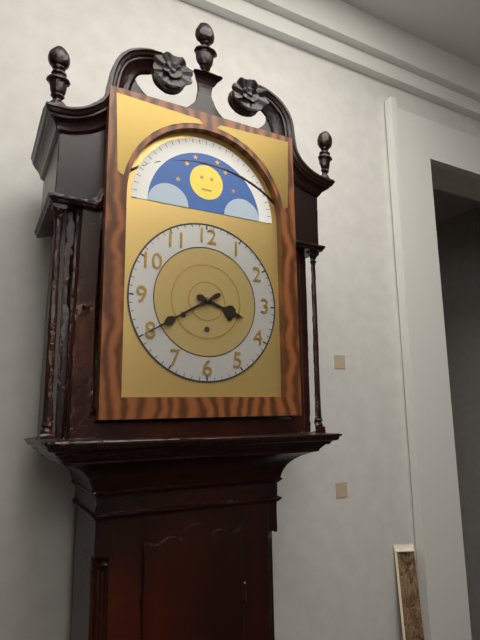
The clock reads {"hour": 3, "minute": 40}
